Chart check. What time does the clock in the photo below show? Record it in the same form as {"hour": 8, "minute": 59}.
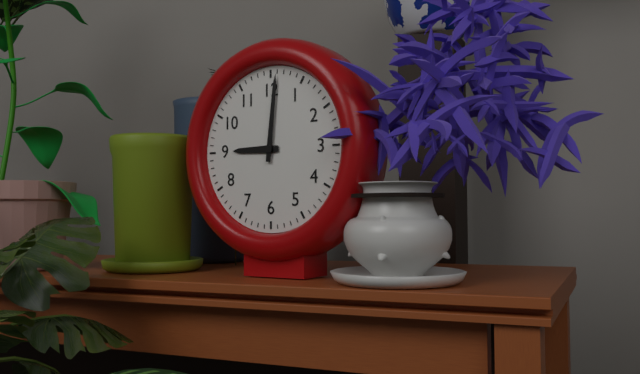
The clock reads {"hour": 9, "minute": 1}
